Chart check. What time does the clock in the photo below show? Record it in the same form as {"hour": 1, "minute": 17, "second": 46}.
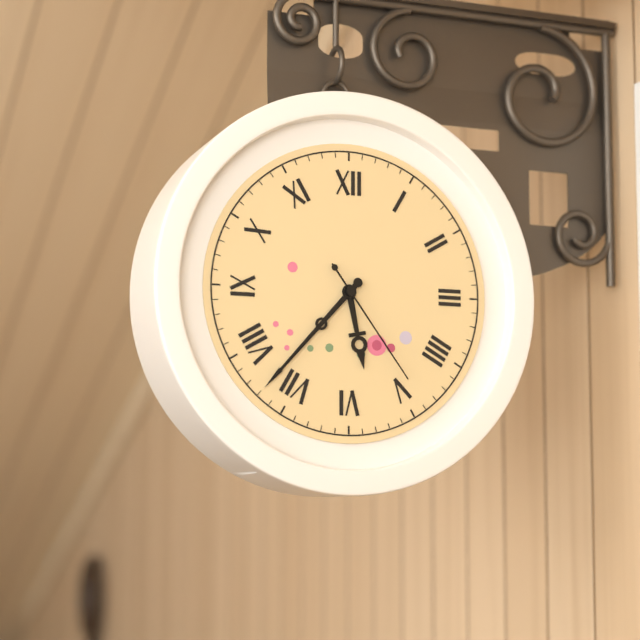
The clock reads {"hour": 5, "minute": 37, "second": 24}
